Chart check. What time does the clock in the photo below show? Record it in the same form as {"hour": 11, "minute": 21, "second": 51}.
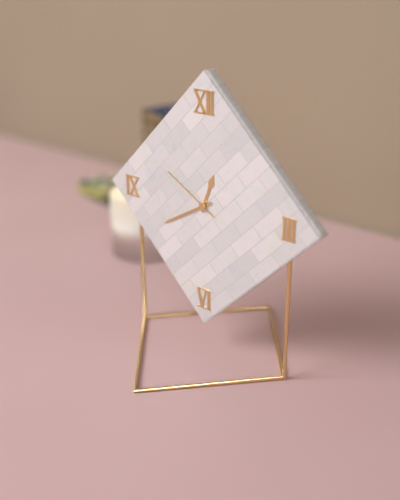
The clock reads {"hour": 12, "minute": 40, "second": 50}
